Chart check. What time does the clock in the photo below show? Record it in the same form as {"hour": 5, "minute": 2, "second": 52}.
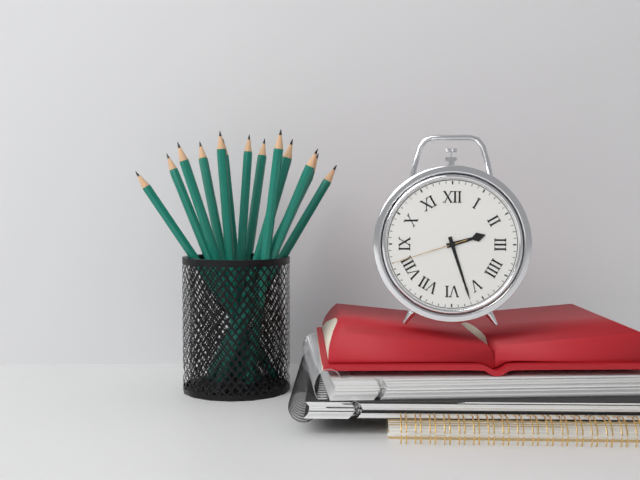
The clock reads {"hour": 2, "minute": 27, "second": 42}
